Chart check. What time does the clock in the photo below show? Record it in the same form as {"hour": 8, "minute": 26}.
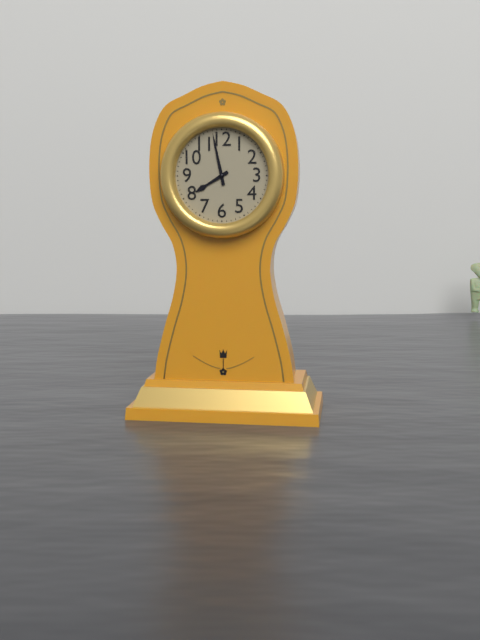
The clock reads {"hour": 7, "minute": 58}
